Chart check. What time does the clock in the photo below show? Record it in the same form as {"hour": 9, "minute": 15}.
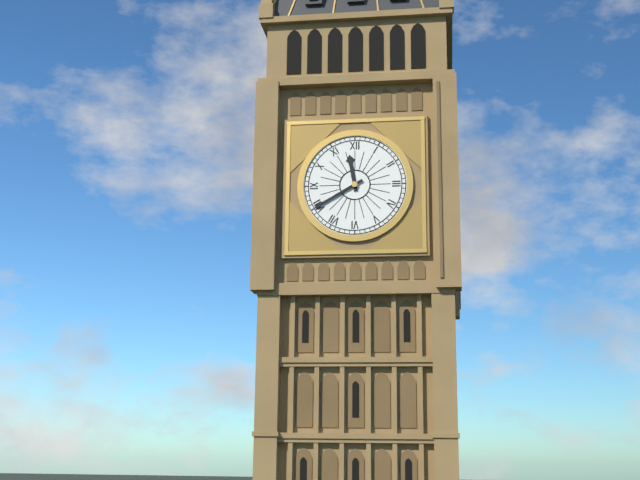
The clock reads {"hour": 11, "minute": 40}
